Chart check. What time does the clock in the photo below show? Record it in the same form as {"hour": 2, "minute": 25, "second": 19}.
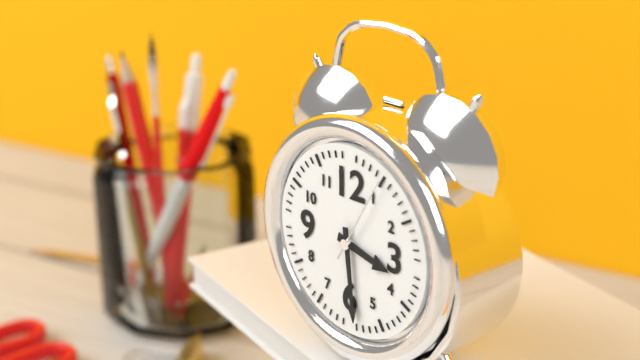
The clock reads {"hour": 3, "minute": 29, "second": 5}
